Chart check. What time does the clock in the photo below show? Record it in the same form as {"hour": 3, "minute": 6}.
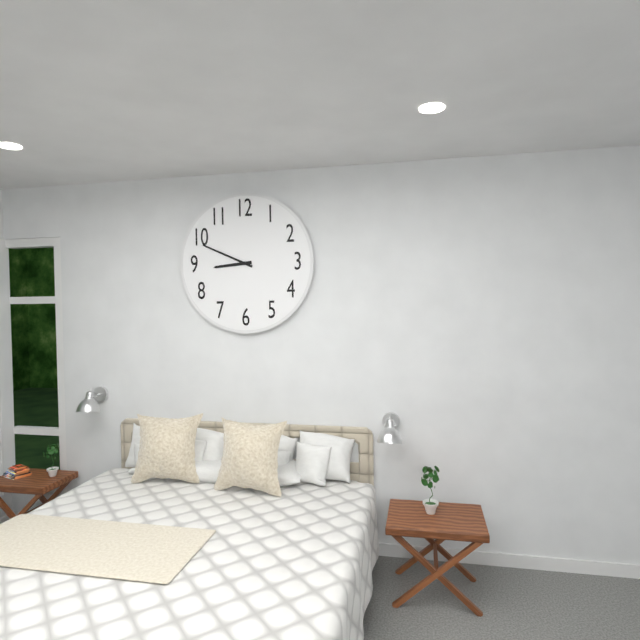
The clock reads {"hour": 8, "minute": 49}
